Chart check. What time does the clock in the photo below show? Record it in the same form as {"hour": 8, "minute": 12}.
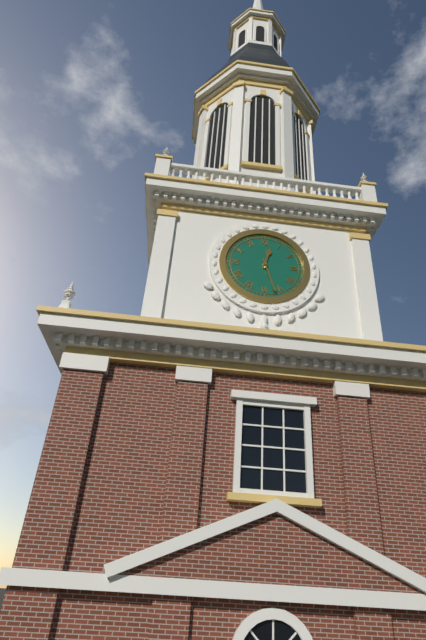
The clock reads {"hour": 12, "minute": 27}
